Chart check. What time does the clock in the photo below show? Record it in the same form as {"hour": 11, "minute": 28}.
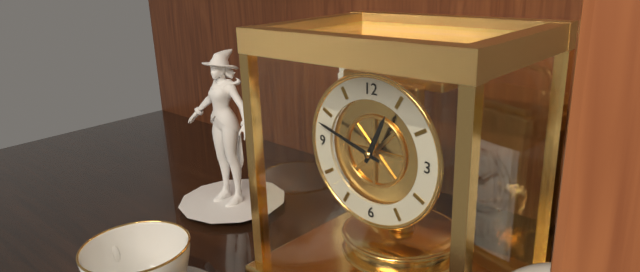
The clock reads {"hour": 12, "minute": 48}
